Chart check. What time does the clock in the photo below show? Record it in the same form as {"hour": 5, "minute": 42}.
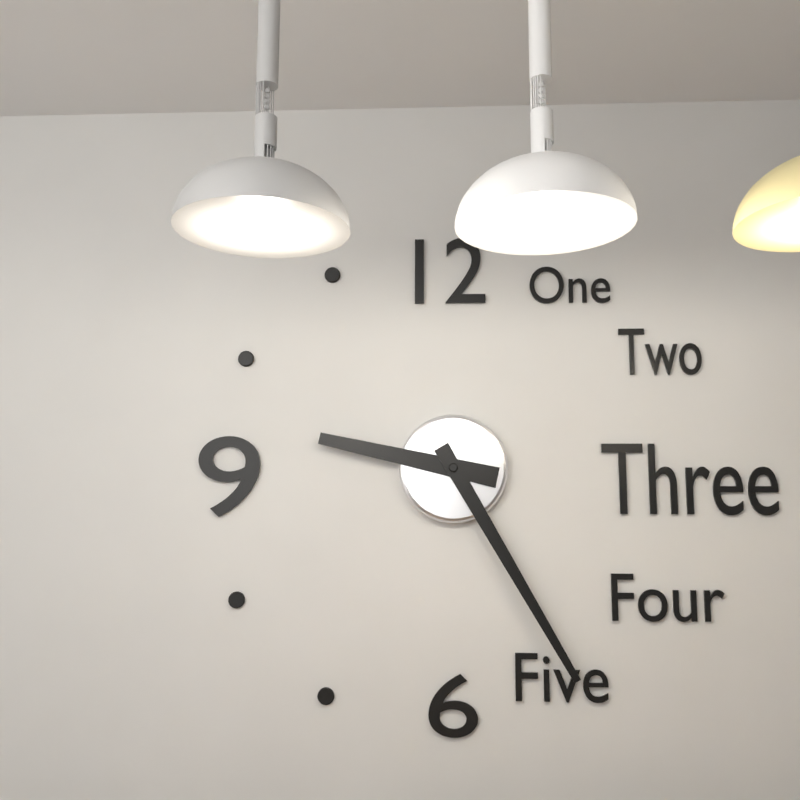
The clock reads {"hour": 9, "minute": 25}
